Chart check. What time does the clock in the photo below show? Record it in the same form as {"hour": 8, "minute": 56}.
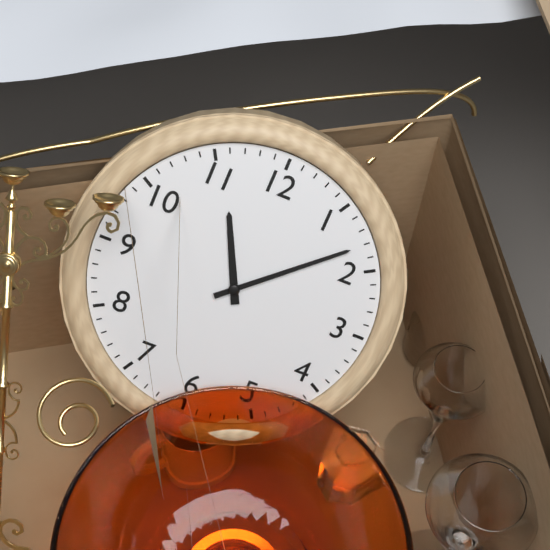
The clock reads {"hour": 11, "minute": 8}
